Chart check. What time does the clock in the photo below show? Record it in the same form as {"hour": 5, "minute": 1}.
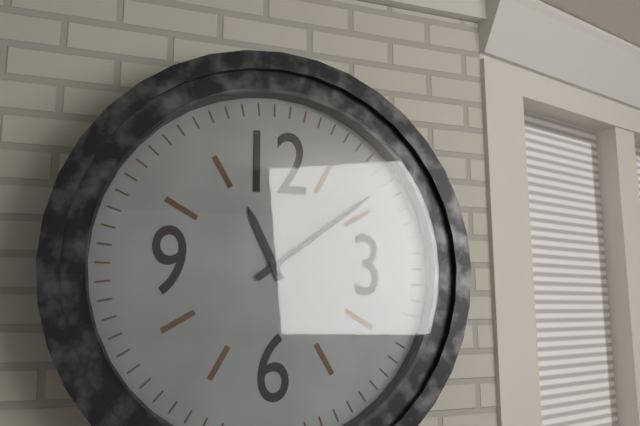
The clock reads {"hour": 11, "minute": 9}
